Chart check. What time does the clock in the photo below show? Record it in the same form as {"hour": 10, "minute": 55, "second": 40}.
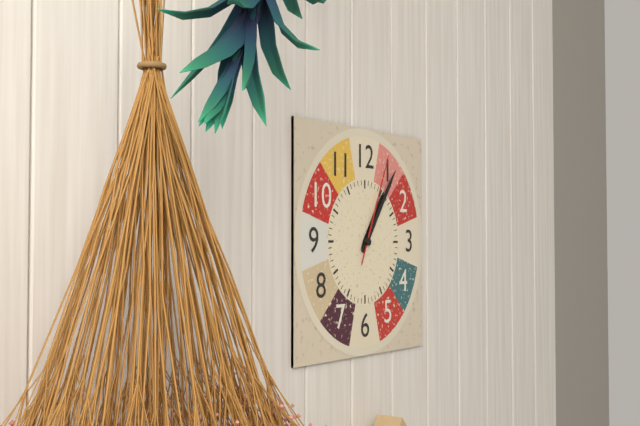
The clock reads {"hour": 1, "minute": 6, "second": 4}
